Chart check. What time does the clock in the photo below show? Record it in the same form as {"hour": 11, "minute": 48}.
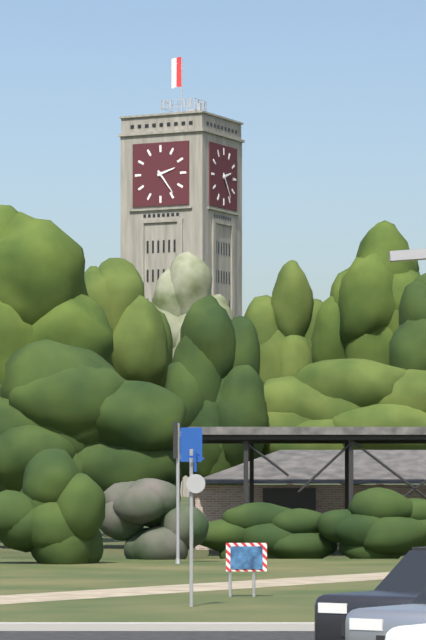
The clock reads {"hour": 2, "minute": 24}
